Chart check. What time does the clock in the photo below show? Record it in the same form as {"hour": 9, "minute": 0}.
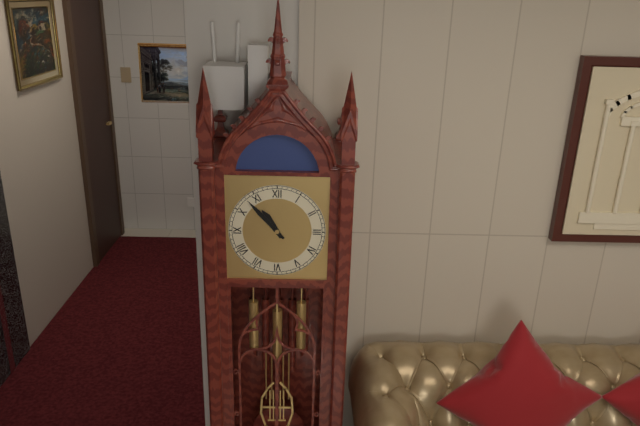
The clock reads {"hour": 10, "minute": 53}
